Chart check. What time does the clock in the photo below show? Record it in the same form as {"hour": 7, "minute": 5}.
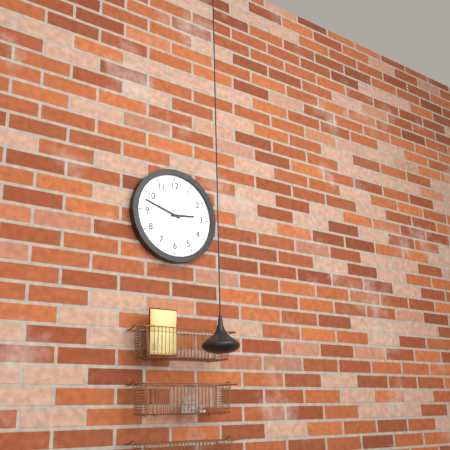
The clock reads {"hour": 2, "minute": 48}
